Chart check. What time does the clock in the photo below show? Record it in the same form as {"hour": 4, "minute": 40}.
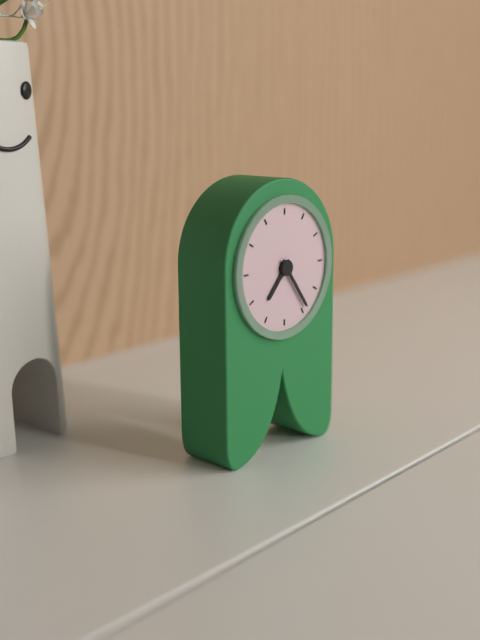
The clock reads {"hour": 7, "minute": 24}
